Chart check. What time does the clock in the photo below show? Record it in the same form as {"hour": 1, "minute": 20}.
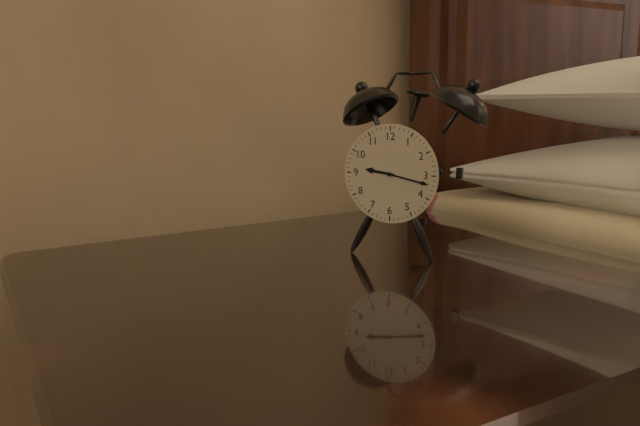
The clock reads {"hour": 9, "minute": 17}
